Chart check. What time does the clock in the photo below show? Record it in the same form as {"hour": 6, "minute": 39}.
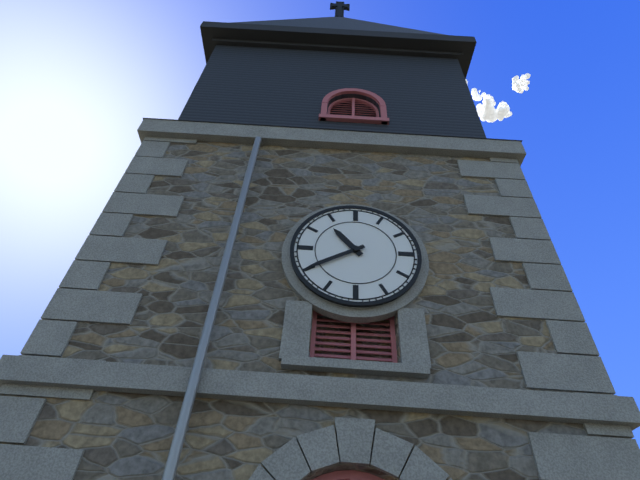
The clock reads {"hour": 10, "minute": 40}
